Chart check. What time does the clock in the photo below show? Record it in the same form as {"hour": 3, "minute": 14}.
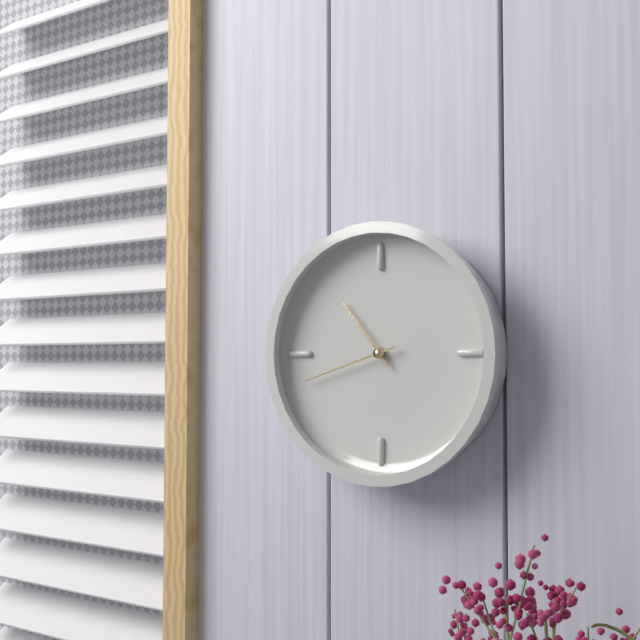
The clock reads {"hour": 10, "minute": 42}
